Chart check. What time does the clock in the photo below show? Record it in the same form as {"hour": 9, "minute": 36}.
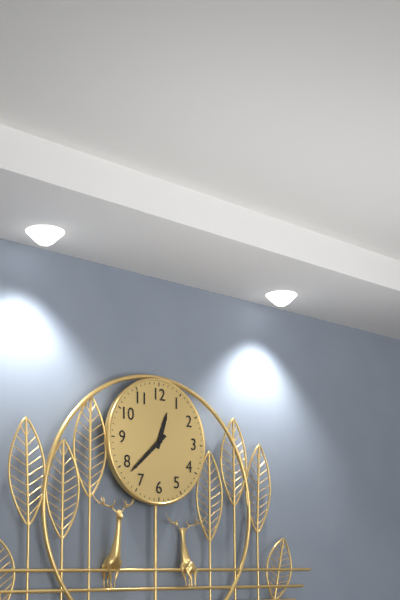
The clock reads {"hour": 12, "minute": 38}
